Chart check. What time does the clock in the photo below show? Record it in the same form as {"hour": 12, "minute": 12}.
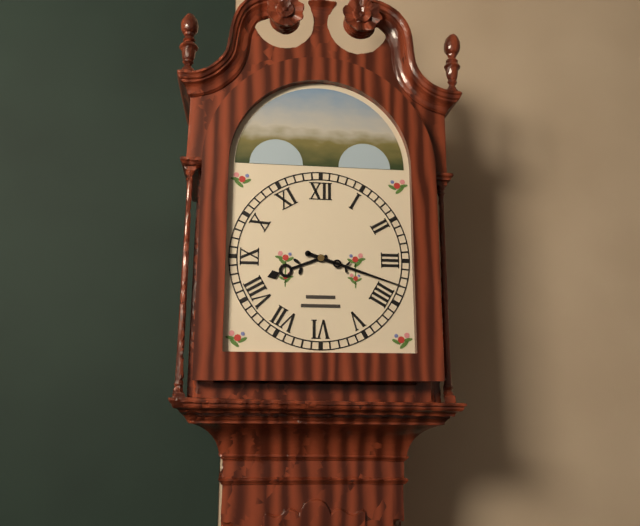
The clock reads {"hour": 8, "minute": 18}
